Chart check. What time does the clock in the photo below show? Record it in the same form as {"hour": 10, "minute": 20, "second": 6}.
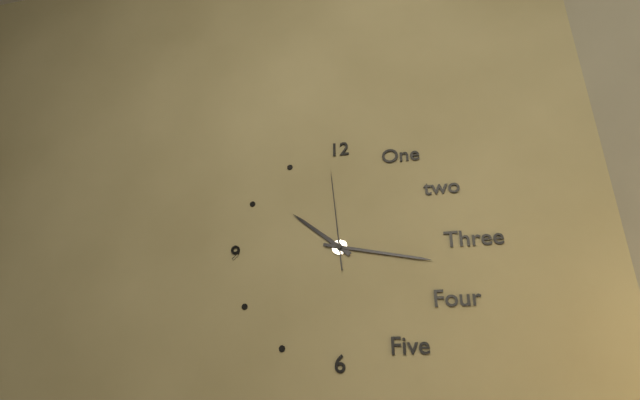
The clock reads {"hour": 10, "minute": 17, "second": 59}
